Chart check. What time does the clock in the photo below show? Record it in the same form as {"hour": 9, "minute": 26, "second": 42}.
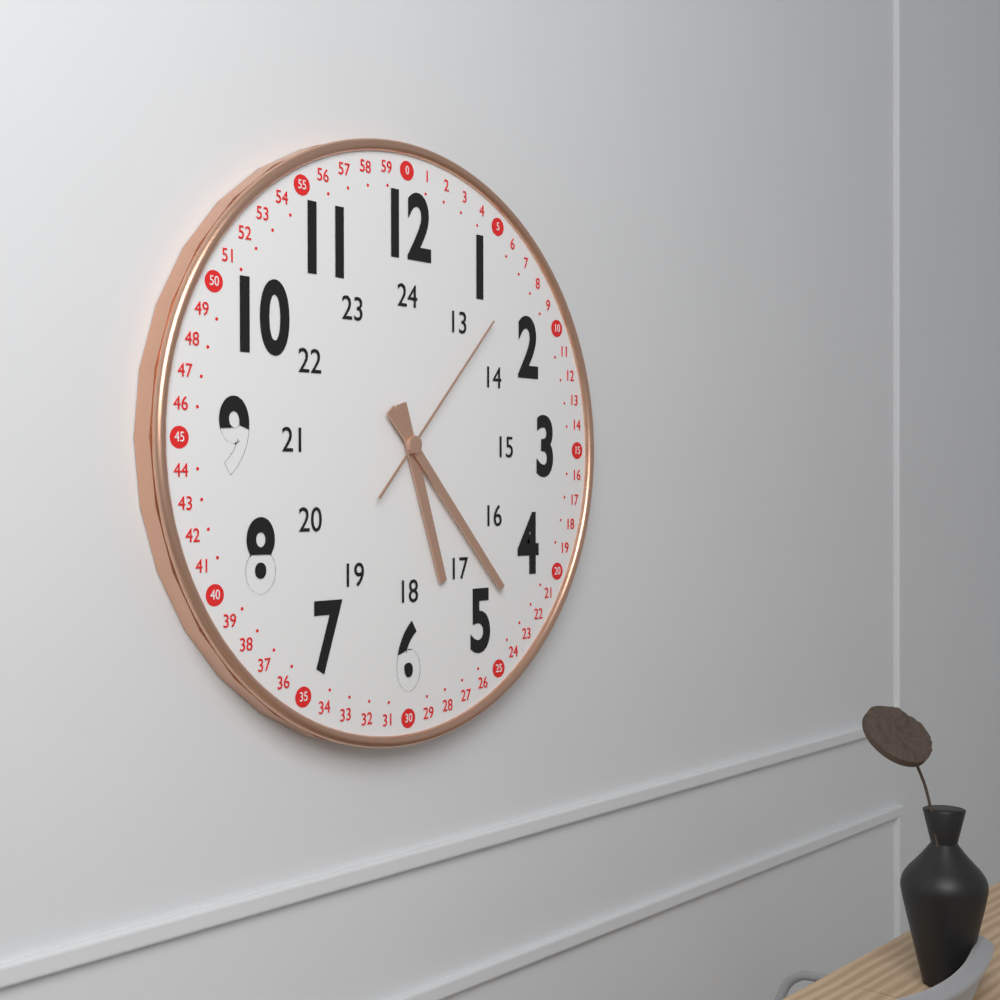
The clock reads {"hour": 5, "minute": 23, "second": 7}
